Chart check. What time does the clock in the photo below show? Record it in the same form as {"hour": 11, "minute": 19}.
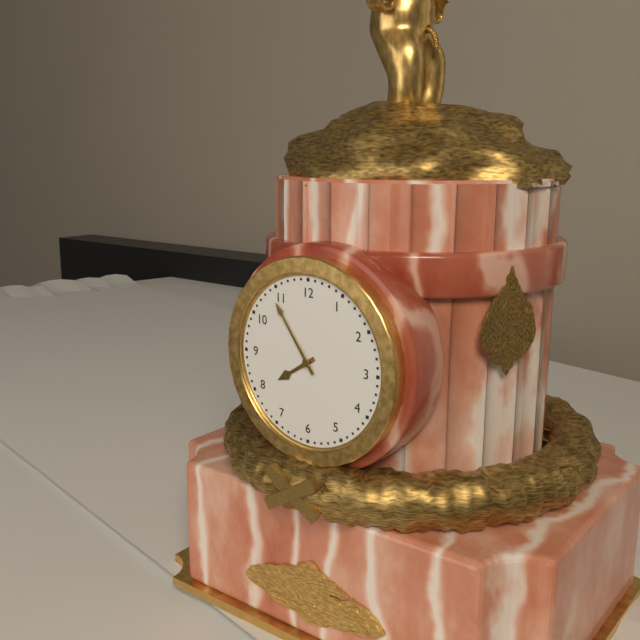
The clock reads {"hour": 7, "minute": 54}
